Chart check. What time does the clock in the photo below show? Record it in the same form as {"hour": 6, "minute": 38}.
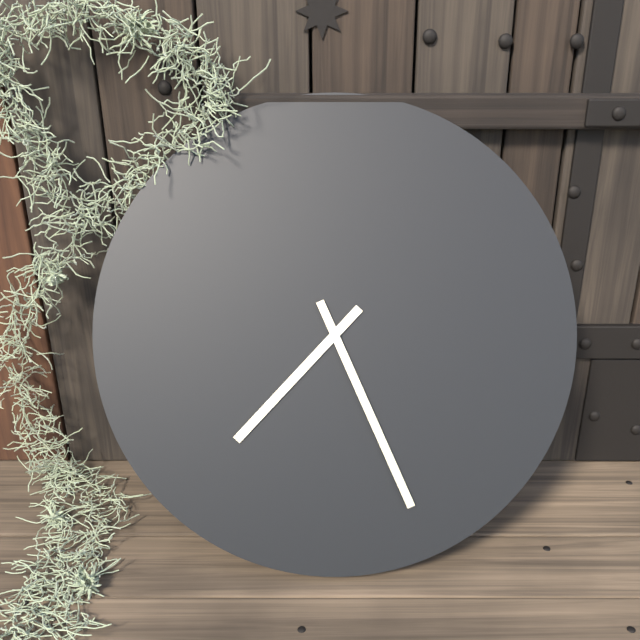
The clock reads {"hour": 7, "minute": 26}
